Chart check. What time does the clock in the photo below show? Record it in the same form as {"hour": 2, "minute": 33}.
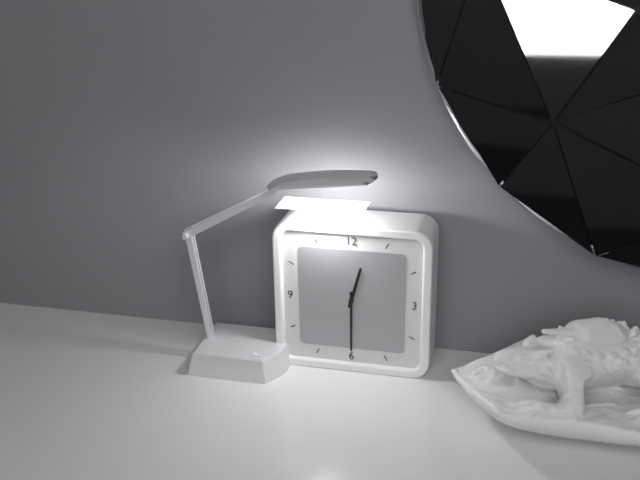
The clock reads {"hour": 12, "minute": 30}
